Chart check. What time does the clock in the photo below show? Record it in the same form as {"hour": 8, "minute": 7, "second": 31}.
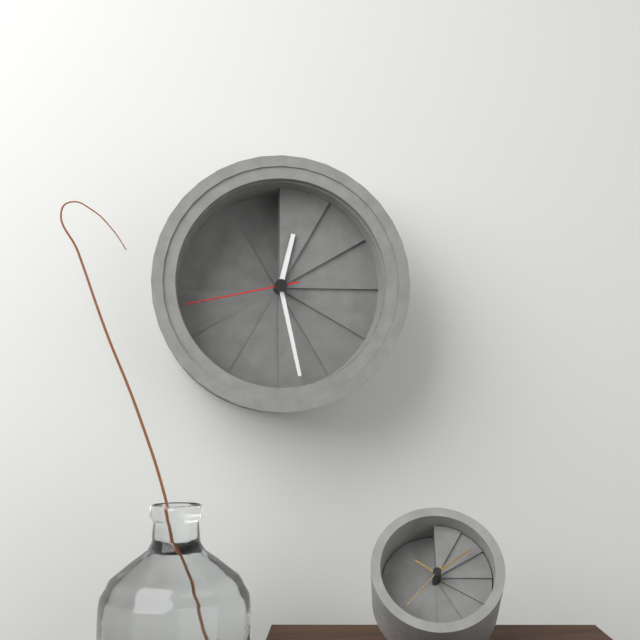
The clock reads {"hour": 12, "minute": 28, "second": 43}
